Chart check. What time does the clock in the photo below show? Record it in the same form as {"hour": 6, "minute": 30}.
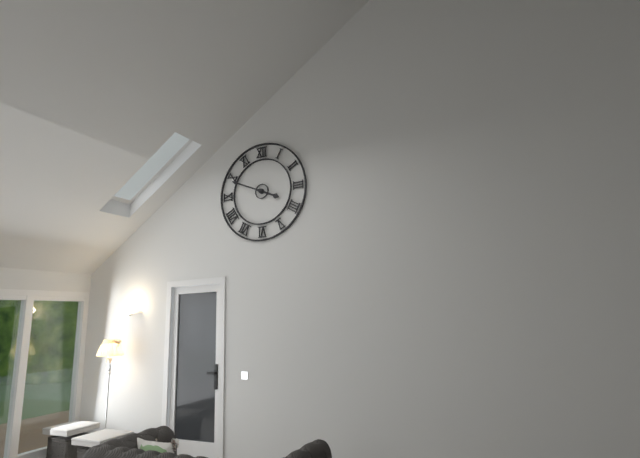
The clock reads {"hour": 3, "minute": 49}
